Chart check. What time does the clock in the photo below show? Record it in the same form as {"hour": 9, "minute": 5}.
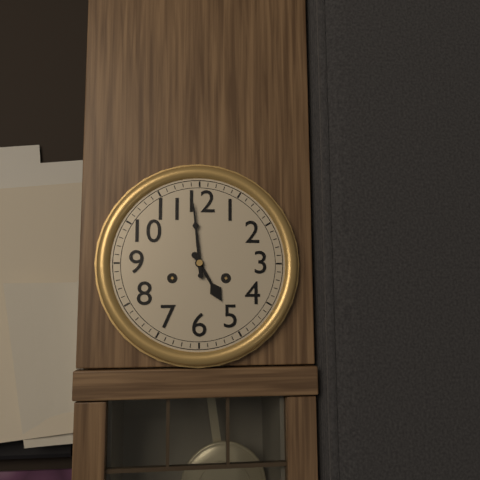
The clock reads {"hour": 4, "minute": 59}
